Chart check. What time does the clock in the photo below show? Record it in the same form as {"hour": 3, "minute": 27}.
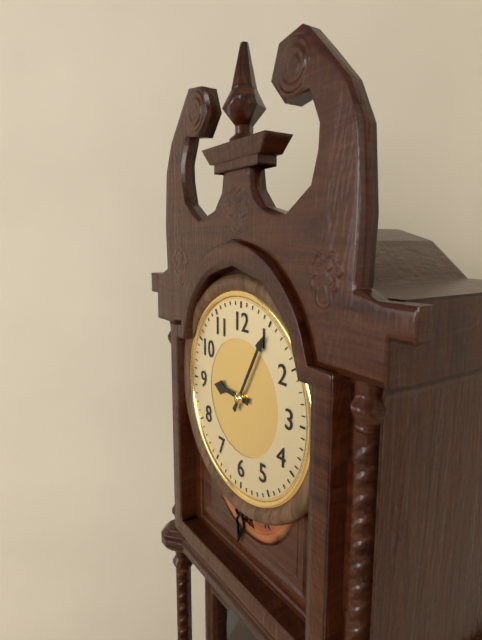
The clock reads {"hour": 9, "minute": 5}
